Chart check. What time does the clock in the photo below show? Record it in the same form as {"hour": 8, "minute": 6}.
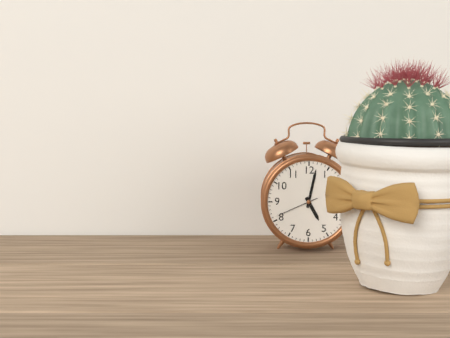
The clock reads {"hour": 5, "minute": 2}
